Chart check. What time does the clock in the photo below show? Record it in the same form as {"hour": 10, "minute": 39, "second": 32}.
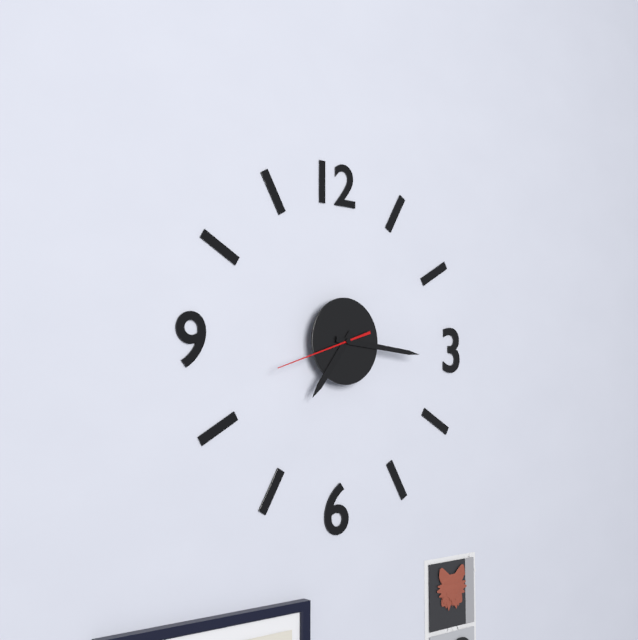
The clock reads {"hour": 7, "minute": 16, "second": 42}
